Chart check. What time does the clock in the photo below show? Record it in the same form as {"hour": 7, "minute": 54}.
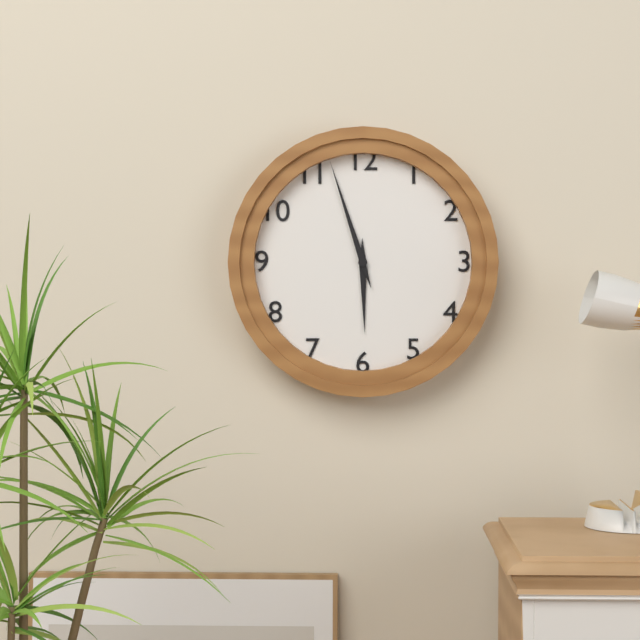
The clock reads {"hour": 5, "minute": 57}
